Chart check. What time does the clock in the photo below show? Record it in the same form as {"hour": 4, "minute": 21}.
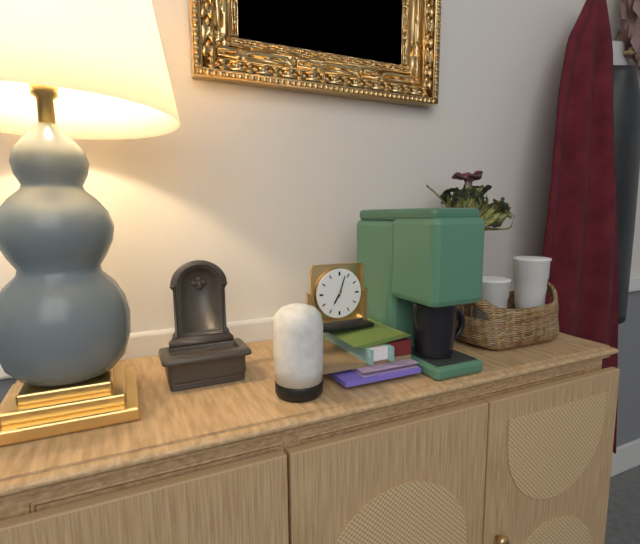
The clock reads {"hour": 7, "minute": 3}
